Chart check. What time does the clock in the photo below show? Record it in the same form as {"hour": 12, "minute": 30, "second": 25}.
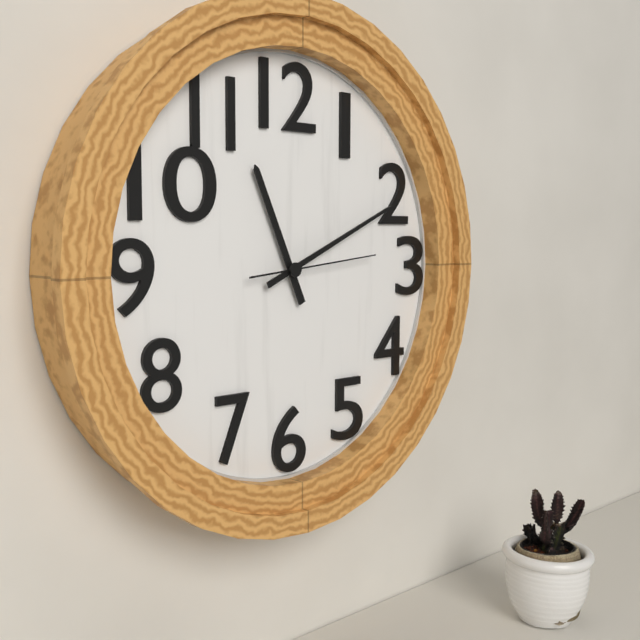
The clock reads {"hour": 11, "minute": 11, "second": 14}
